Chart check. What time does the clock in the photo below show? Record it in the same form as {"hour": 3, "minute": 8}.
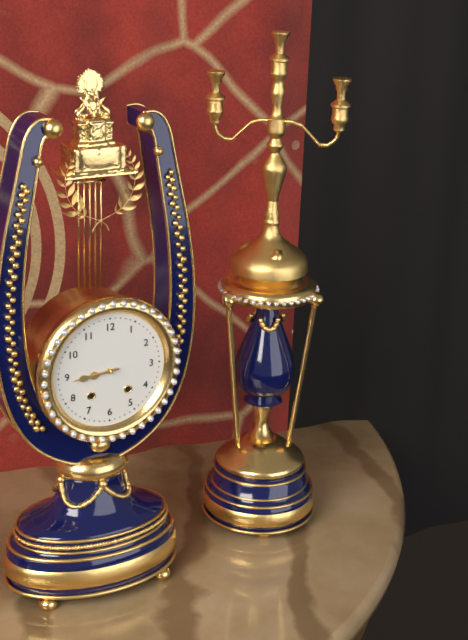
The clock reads {"hour": 8, "minute": 44}
